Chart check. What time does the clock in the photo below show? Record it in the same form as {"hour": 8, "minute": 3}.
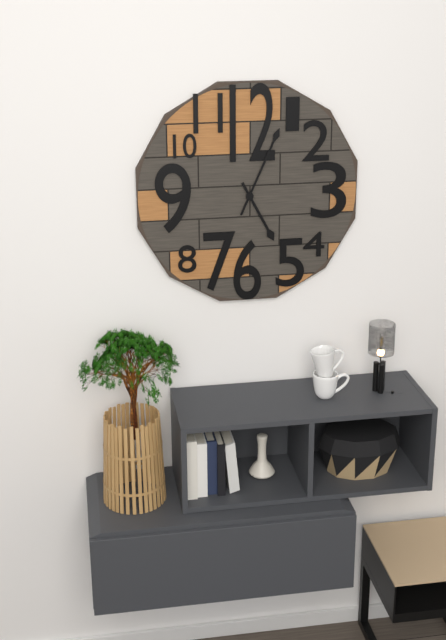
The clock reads {"hour": 5, "minute": 4}
